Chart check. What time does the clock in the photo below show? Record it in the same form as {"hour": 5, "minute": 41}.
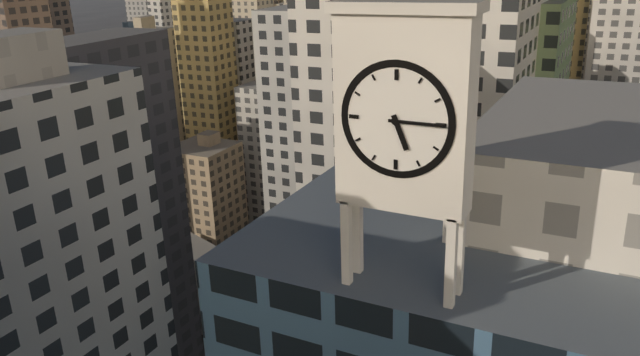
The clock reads {"hour": 5, "minute": 15}
